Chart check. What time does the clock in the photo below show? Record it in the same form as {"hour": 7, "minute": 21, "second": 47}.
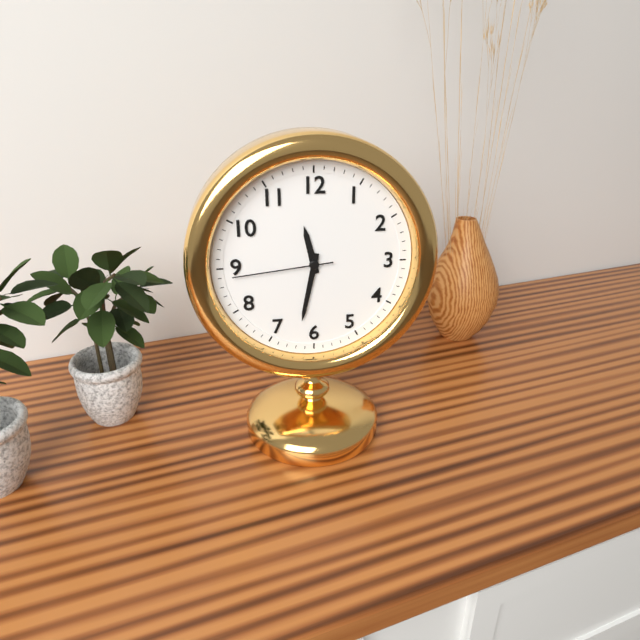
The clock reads {"hour": 11, "minute": 32, "second": 44}
